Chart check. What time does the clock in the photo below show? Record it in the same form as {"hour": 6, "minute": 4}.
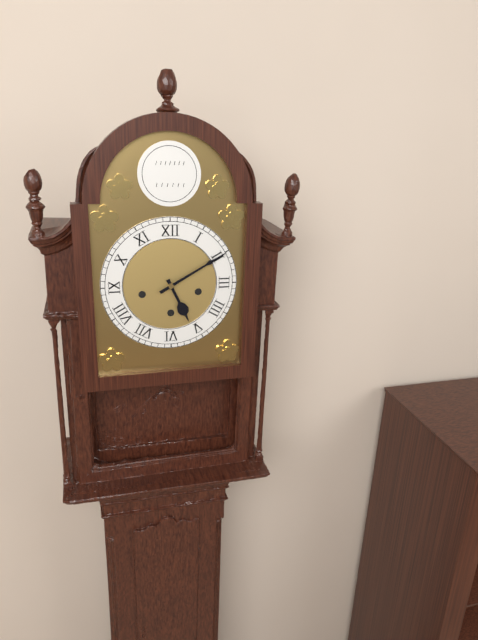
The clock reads {"hour": 5, "minute": 10}
